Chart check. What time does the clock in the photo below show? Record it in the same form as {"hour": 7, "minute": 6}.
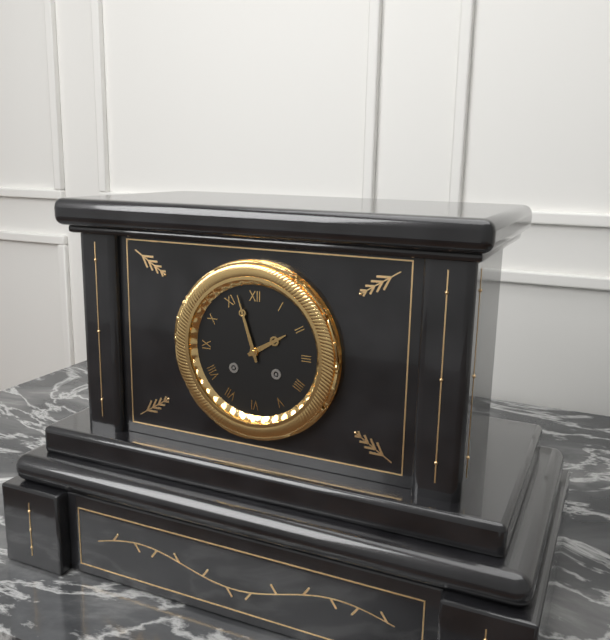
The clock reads {"hour": 1, "minute": 57}
